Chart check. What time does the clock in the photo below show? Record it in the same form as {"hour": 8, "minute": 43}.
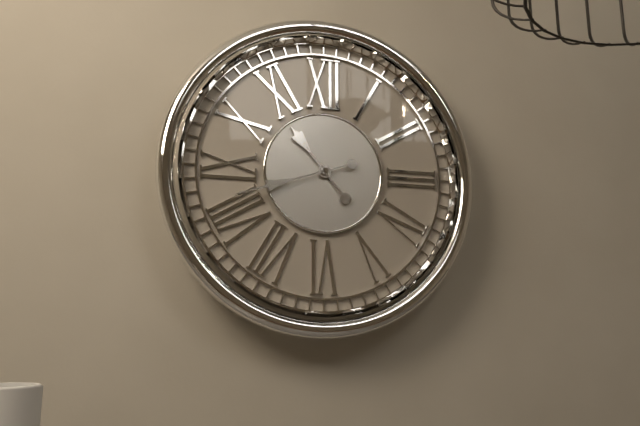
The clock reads {"hour": 10, "minute": 42}
